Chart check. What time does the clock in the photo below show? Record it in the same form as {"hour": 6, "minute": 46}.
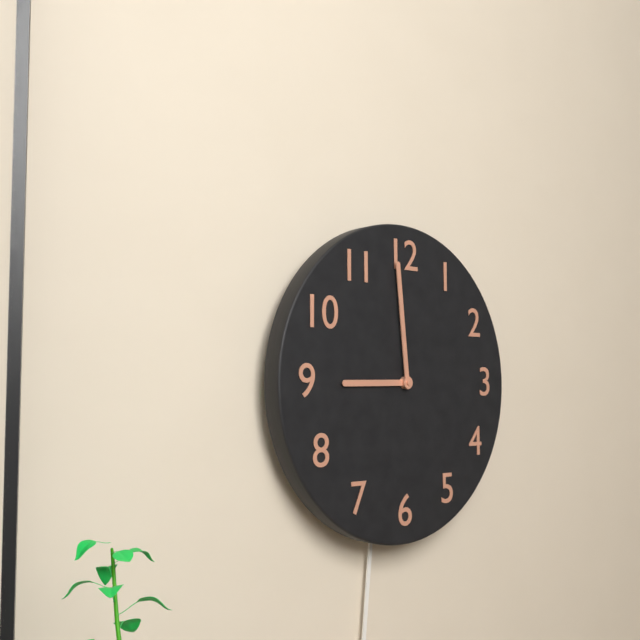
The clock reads {"hour": 8, "minute": 59}
